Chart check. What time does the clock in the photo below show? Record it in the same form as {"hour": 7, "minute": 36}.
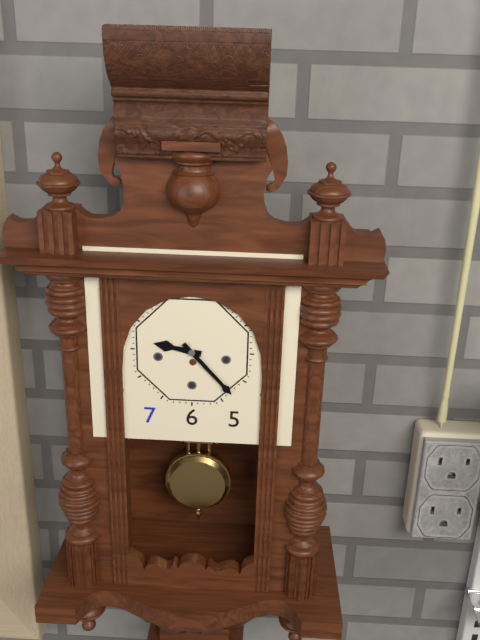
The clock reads {"hour": 9, "minute": 23}
